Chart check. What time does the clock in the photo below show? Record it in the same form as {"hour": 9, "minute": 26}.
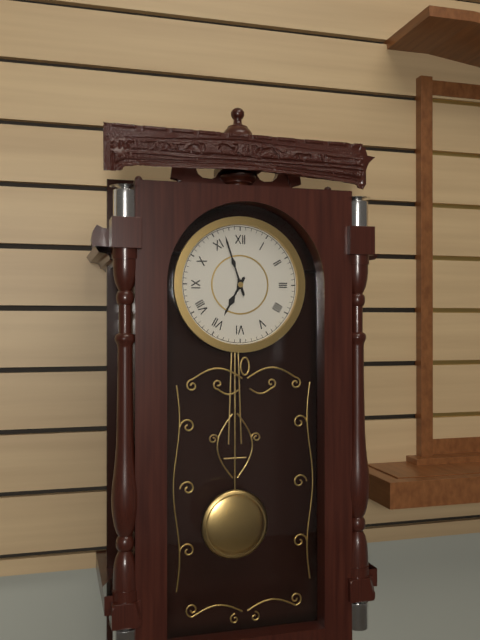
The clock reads {"hour": 6, "minute": 57}
